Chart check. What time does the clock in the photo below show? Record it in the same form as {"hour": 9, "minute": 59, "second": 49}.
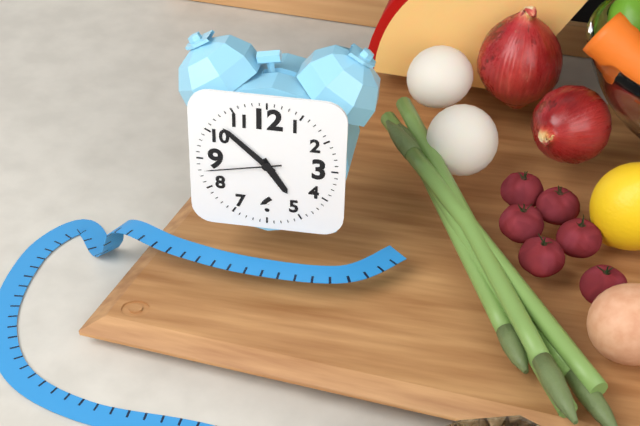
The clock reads {"hour": 4, "minute": 52, "second": 43}
